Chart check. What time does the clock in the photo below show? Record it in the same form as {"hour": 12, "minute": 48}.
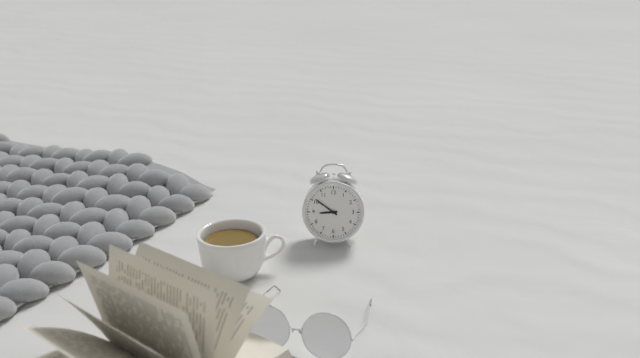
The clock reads {"hour": 8, "minute": 51}
